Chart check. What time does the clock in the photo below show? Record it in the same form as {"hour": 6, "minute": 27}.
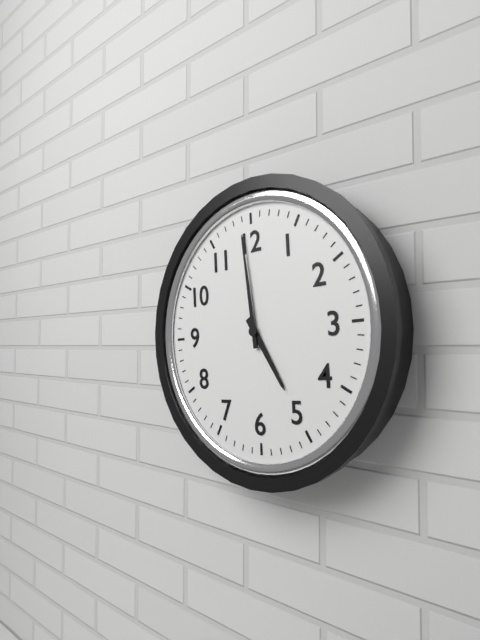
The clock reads {"hour": 4, "minute": 59}
